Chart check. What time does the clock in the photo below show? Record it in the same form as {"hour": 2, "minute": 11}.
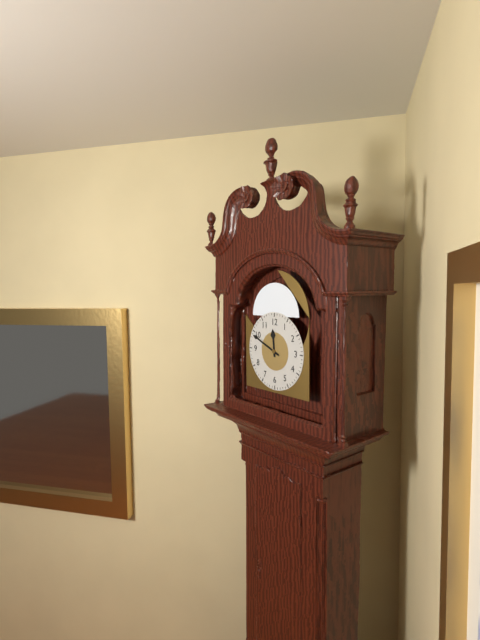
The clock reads {"hour": 11, "minute": 49}
